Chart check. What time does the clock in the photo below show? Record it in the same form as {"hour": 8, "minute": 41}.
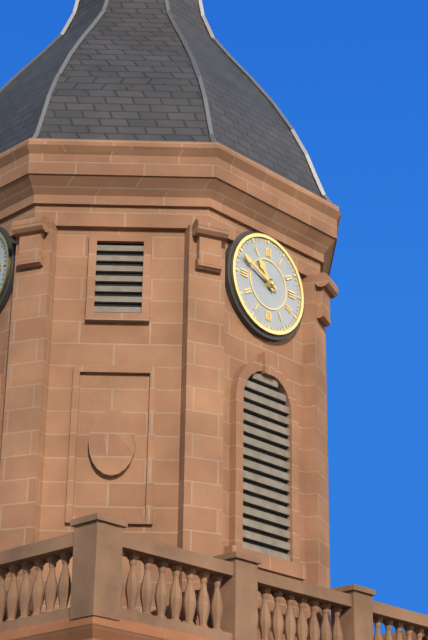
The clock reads {"hour": 10, "minute": 49}
